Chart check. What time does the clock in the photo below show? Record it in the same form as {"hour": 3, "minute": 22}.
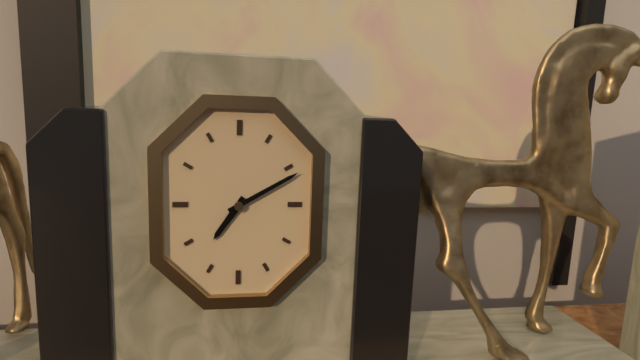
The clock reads {"hour": 7, "minute": 10}
